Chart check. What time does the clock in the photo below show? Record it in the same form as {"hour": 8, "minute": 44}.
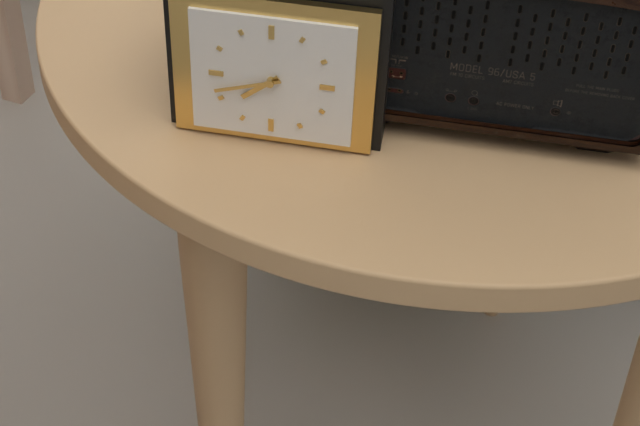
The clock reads {"hour": 7, "minute": 42}
